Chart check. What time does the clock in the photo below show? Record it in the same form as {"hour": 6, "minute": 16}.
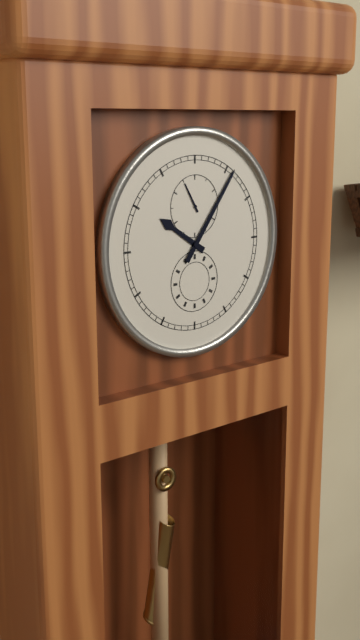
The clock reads {"hour": 10, "minute": 6}
